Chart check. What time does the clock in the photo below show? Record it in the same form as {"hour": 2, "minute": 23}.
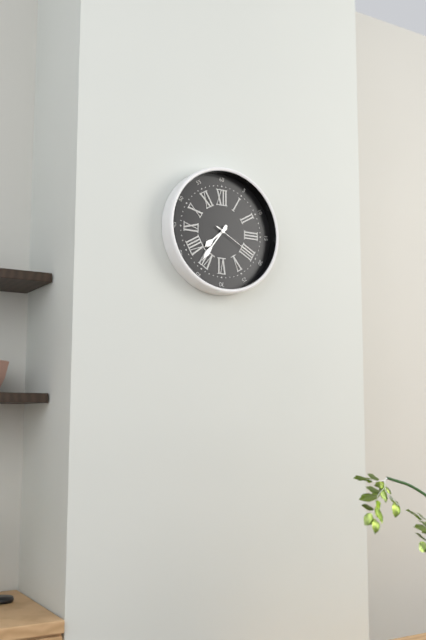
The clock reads {"hour": 7, "minute": 36}
